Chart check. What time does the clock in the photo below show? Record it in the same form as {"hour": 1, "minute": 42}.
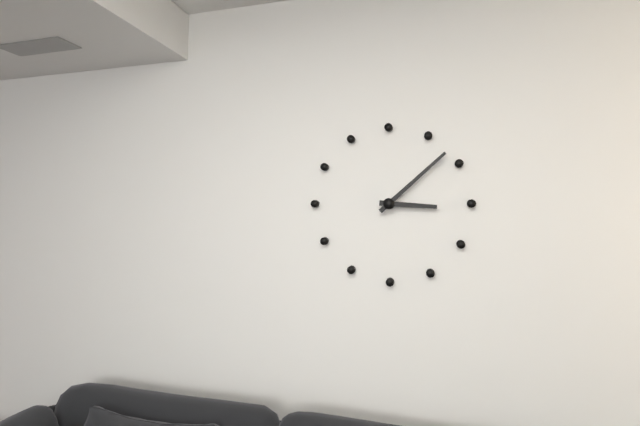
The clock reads {"hour": 3, "minute": 8}
